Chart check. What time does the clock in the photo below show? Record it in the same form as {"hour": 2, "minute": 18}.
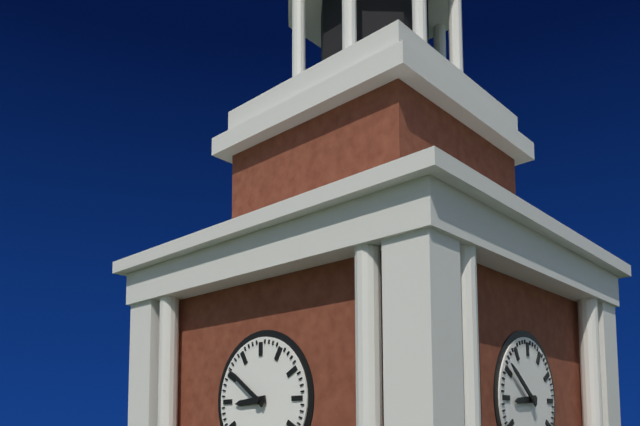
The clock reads {"hour": 8, "minute": 51}
